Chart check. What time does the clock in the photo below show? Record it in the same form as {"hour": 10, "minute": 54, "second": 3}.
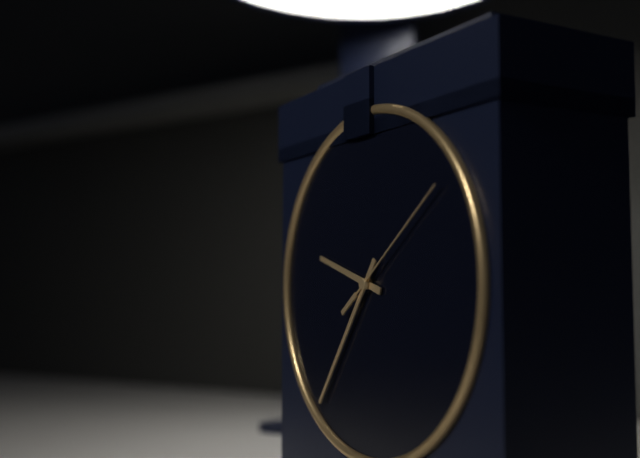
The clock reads {"hour": 9, "minute": 36, "second": 9}
